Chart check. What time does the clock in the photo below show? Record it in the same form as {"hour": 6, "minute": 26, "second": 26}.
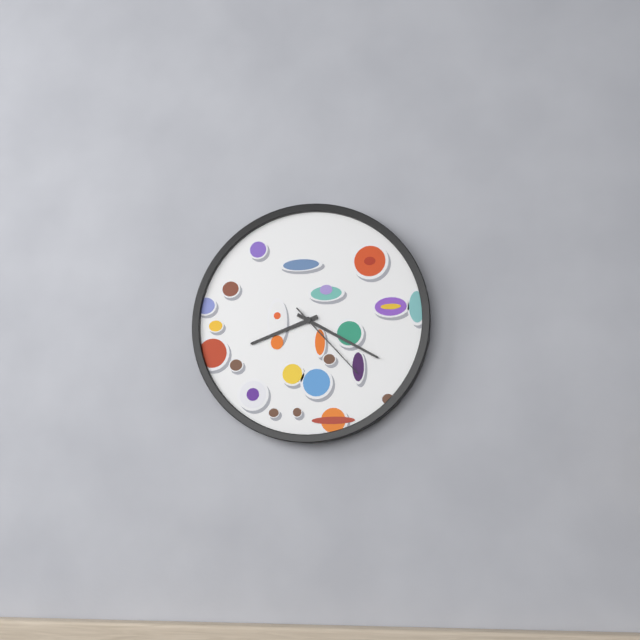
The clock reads {"hour": 8, "minute": 20, "second": 23}
